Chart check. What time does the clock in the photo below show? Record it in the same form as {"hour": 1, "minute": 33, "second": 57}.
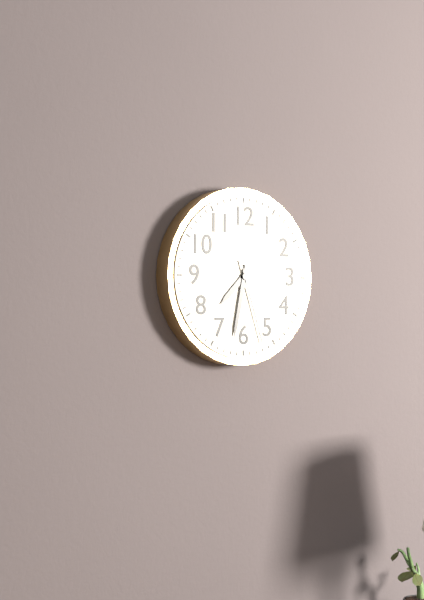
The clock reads {"hour": 7, "minute": 32, "second": 27}
